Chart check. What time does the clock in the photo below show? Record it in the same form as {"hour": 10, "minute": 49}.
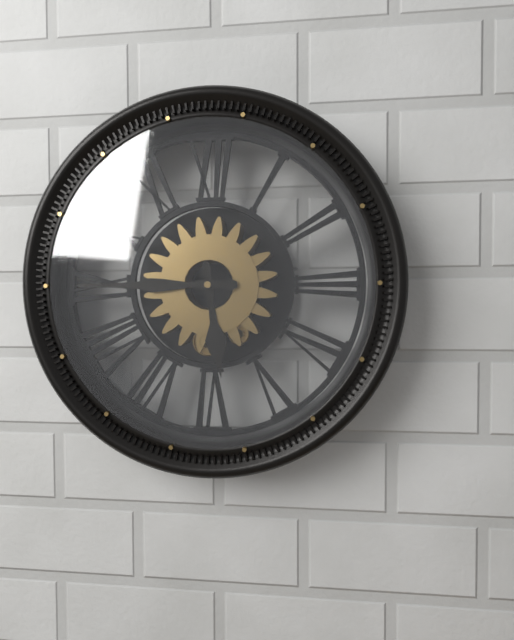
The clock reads {"hour": 5, "minute": 45}
